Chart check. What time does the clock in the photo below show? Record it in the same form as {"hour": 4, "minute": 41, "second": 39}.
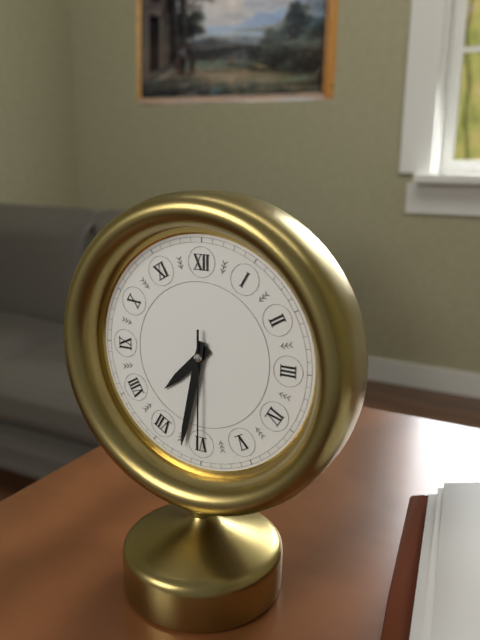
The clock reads {"hour": 7, "minute": 32, "second": 30}
